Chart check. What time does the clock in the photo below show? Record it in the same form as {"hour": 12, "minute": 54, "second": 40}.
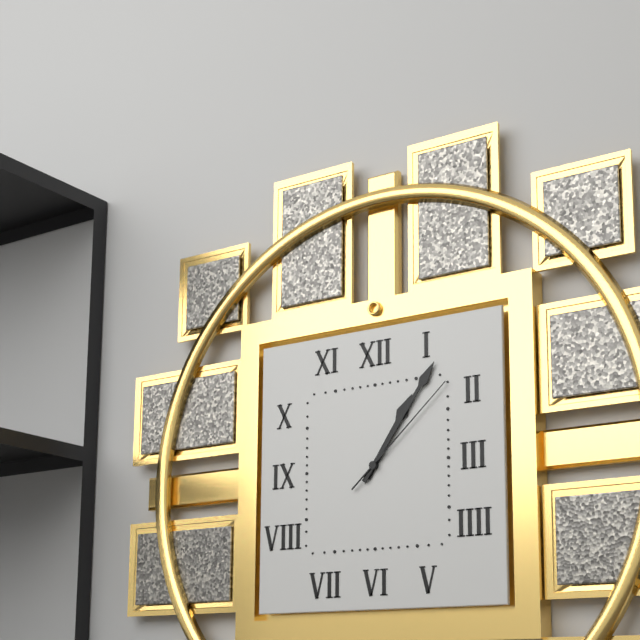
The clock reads {"hour": 1, "minute": 6, "second": 8}
